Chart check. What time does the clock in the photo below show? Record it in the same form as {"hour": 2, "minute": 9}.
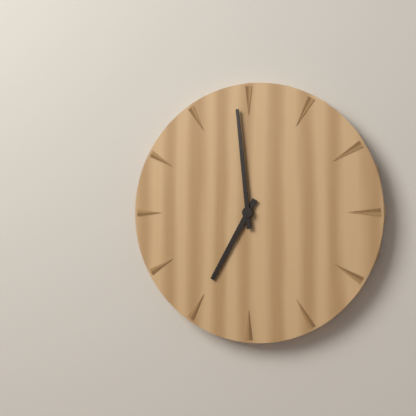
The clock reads {"hour": 6, "minute": 59}
